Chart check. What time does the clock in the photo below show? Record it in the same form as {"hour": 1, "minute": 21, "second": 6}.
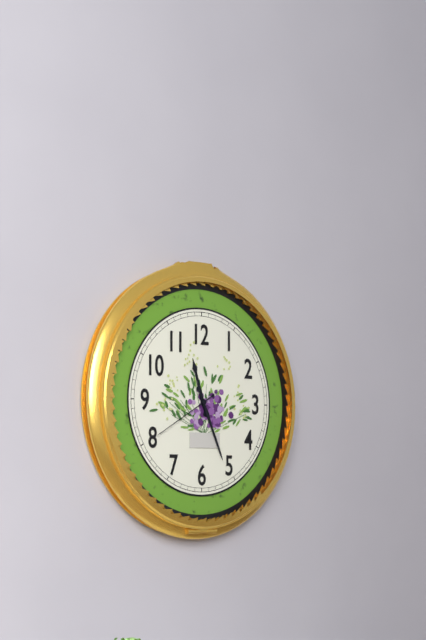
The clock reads {"hour": 11, "minute": 26, "second": 40}
